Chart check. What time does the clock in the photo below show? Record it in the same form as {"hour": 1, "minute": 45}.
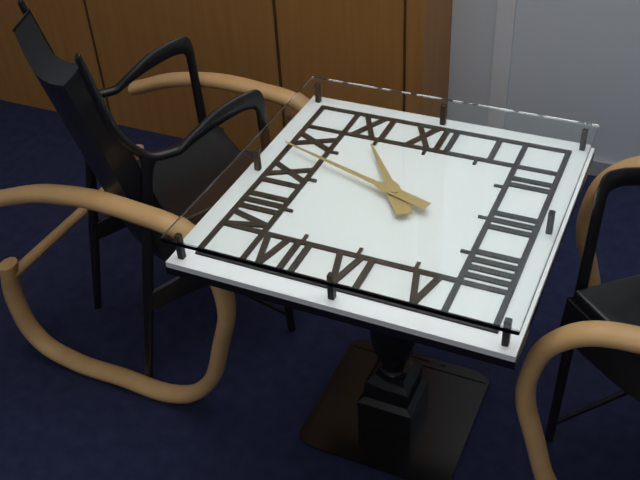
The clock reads {"hour": 10, "minute": 48}
